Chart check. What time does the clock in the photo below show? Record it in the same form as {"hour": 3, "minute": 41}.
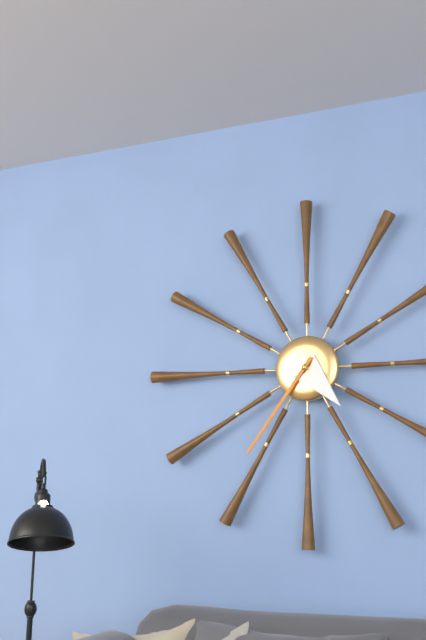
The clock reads {"hour": 4, "minute": 36}
